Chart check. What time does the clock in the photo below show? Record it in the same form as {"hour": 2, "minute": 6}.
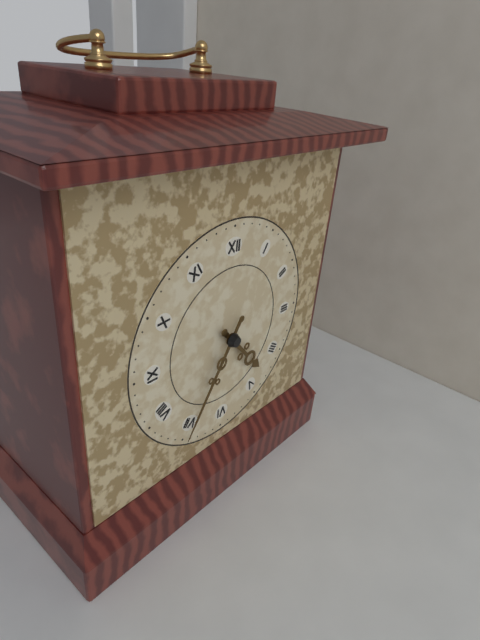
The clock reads {"hour": 4, "minute": 35}
